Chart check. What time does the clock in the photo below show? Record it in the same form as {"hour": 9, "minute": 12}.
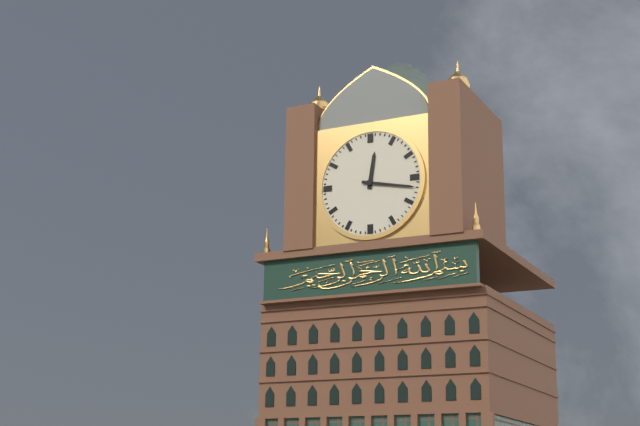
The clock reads {"hour": 12, "minute": 17}
